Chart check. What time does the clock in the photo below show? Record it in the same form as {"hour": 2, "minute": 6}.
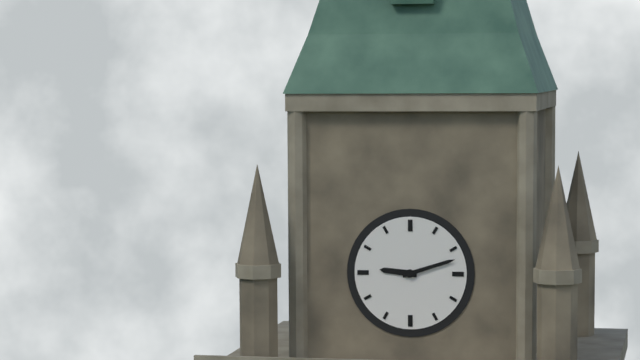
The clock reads {"hour": 9, "minute": 12}
